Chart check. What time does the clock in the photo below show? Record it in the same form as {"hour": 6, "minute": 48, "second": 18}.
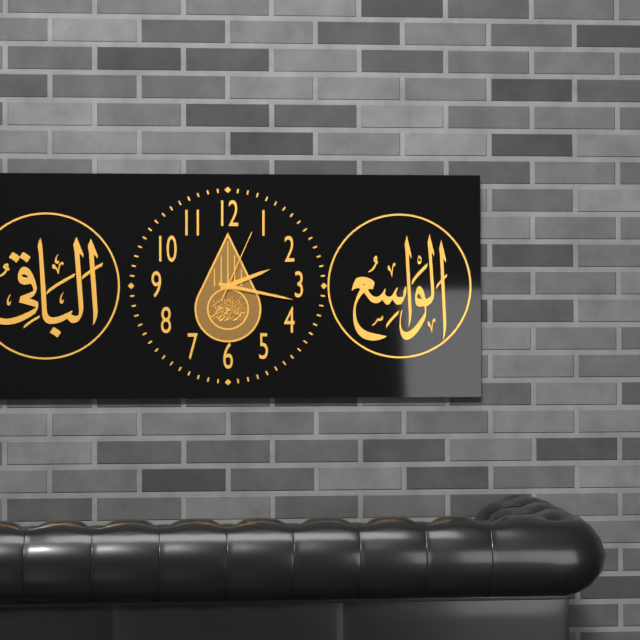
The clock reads {"hour": 2, "minute": 17, "second": 4}
